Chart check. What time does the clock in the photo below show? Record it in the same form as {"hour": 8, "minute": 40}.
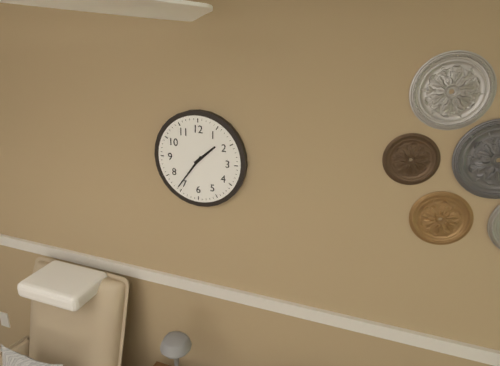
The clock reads {"hour": 1, "minute": 36}
